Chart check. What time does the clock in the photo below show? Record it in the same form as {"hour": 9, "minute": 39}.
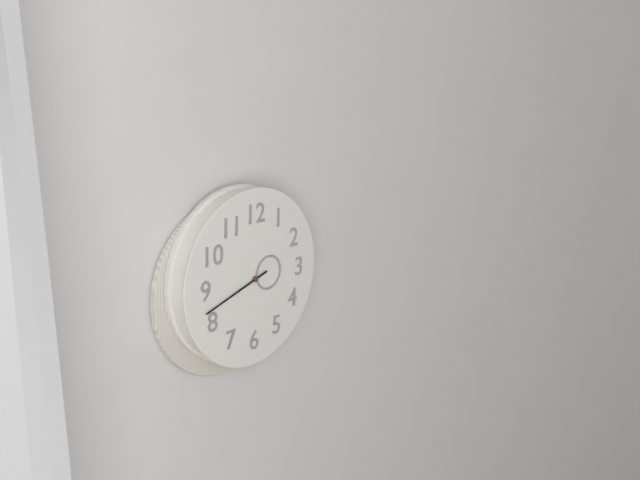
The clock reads {"hour": 2, "minute": 42}
